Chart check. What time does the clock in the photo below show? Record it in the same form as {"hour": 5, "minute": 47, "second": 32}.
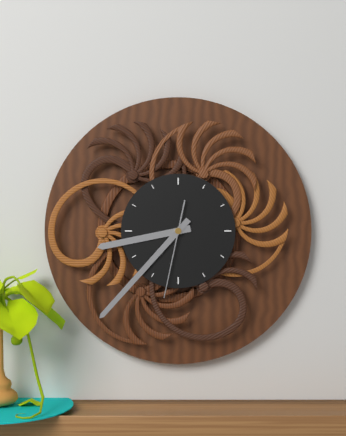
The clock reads {"hour": 8, "minute": 37, "second": 32}
